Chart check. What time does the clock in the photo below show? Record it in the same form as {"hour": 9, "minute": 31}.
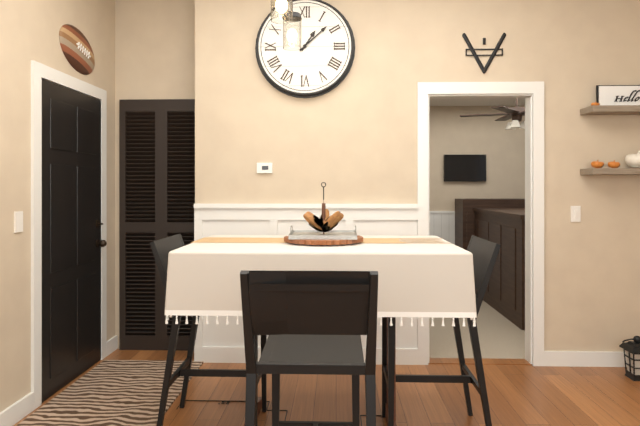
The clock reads {"hour": 1, "minute": 8}
